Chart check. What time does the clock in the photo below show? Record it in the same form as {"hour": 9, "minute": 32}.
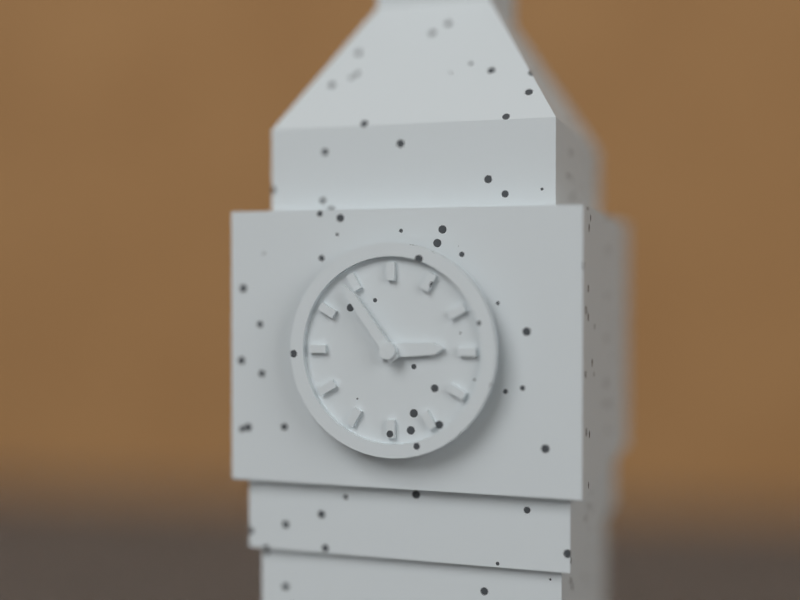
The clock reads {"hour": 2, "minute": 54}
